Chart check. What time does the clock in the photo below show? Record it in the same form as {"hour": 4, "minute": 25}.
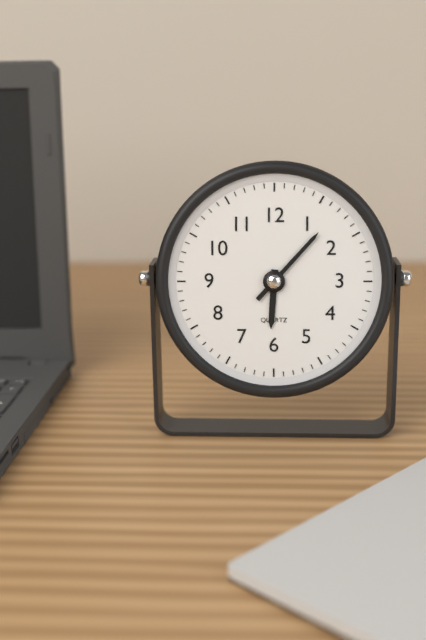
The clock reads {"hour": 6, "minute": 7}
